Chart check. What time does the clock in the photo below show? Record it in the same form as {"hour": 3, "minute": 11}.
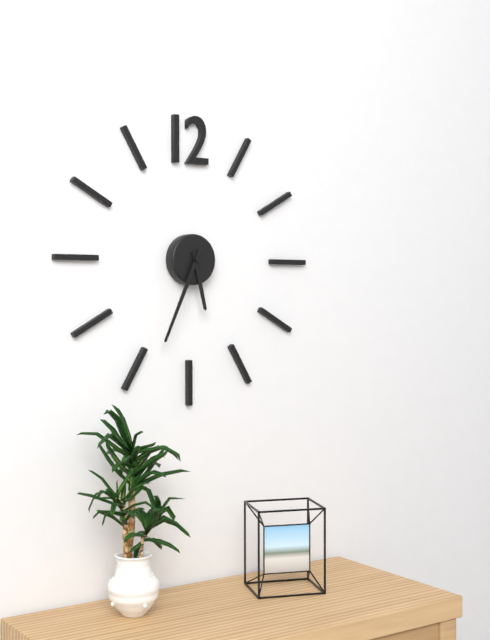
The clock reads {"hour": 5, "minute": 34}
